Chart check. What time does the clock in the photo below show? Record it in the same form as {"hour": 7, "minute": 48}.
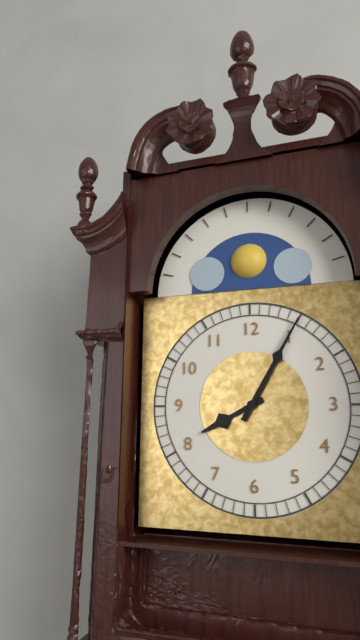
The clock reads {"hour": 8, "minute": 5}
